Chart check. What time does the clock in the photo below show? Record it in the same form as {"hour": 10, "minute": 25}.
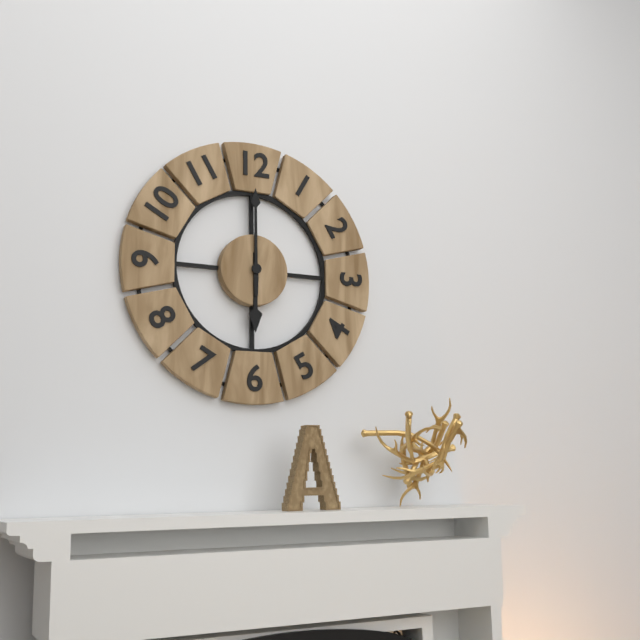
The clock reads {"hour": 6, "minute": 0}
